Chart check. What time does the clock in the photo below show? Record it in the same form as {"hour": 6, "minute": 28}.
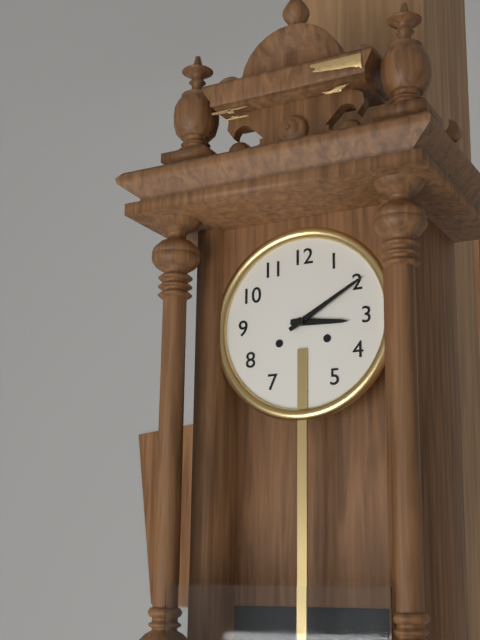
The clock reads {"hour": 3, "minute": 10}
